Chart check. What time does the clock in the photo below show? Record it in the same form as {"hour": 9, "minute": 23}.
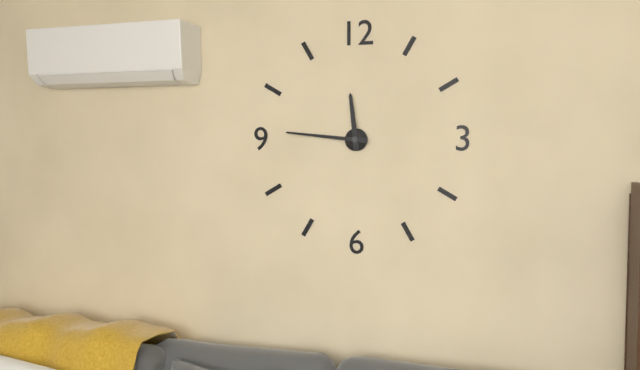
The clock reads {"hour": 11, "minute": 46}
